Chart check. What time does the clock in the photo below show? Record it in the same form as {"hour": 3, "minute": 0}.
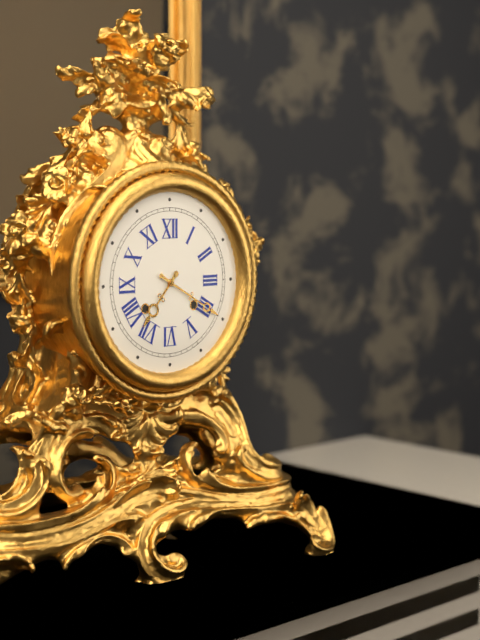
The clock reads {"hour": 7, "minute": 20}
